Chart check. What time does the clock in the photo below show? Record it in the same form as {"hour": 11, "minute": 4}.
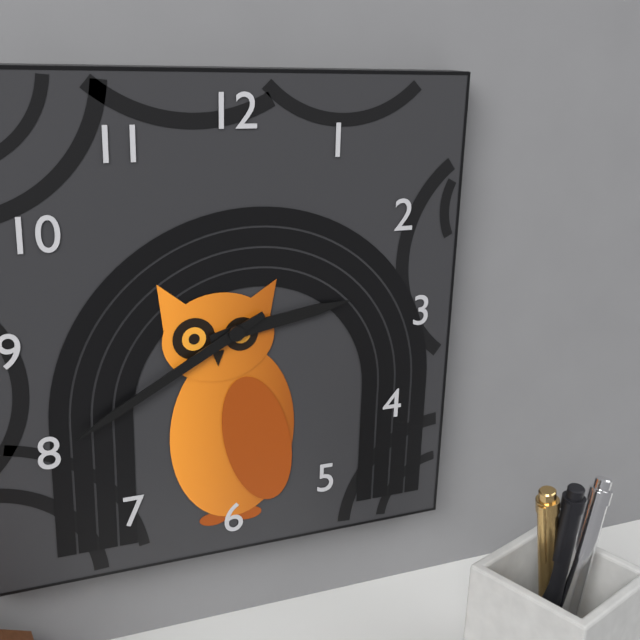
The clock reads {"hour": 2, "minute": 40}
